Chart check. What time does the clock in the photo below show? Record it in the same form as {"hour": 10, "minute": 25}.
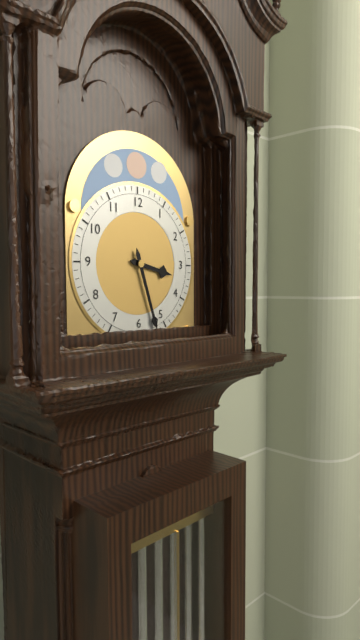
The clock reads {"hour": 3, "minute": 27}
